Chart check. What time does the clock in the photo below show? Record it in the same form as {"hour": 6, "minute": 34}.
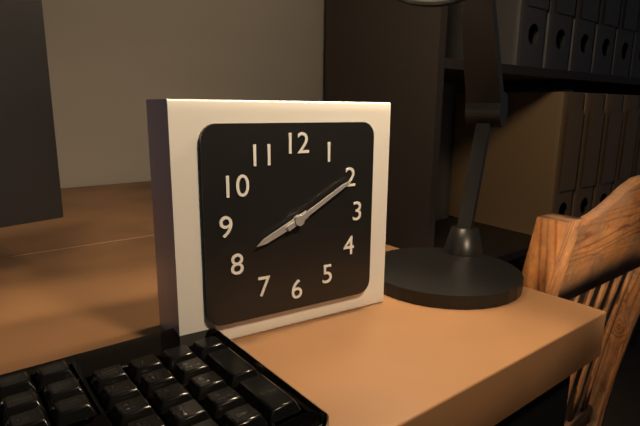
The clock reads {"hour": 8, "minute": 10}
